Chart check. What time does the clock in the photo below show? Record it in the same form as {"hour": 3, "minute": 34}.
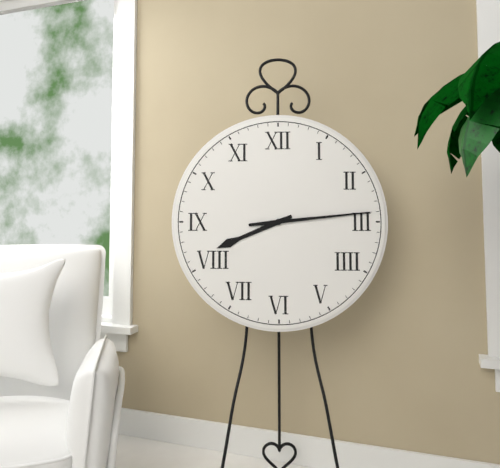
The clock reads {"hour": 8, "minute": 14}
